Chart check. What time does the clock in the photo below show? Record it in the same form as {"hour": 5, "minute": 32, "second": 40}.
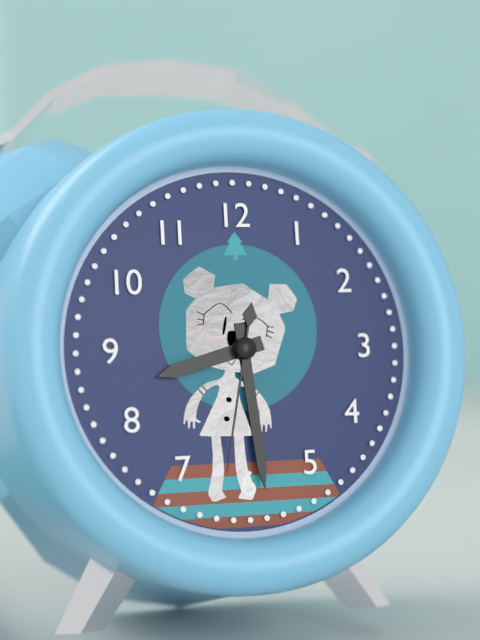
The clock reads {"hour": 8, "minute": 29, "second": 32}
